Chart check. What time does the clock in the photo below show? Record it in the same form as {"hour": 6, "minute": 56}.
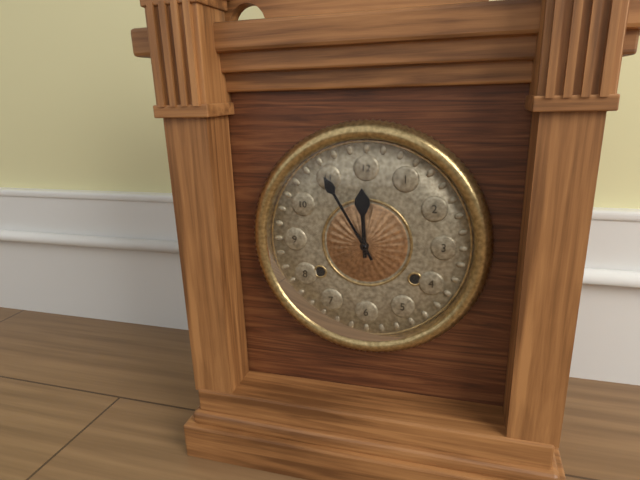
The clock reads {"hour": 11, "minute": 55}
